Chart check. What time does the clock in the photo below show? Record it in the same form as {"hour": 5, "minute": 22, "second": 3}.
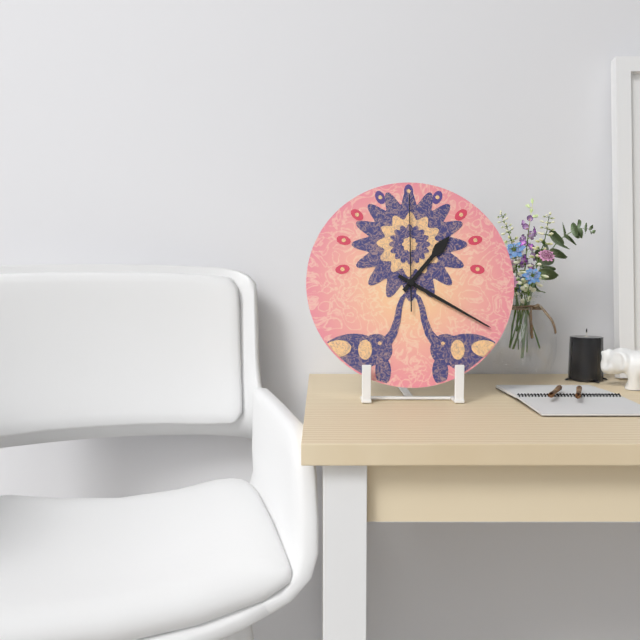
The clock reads {"hour": 1, "minute": 20, "second": 0}
